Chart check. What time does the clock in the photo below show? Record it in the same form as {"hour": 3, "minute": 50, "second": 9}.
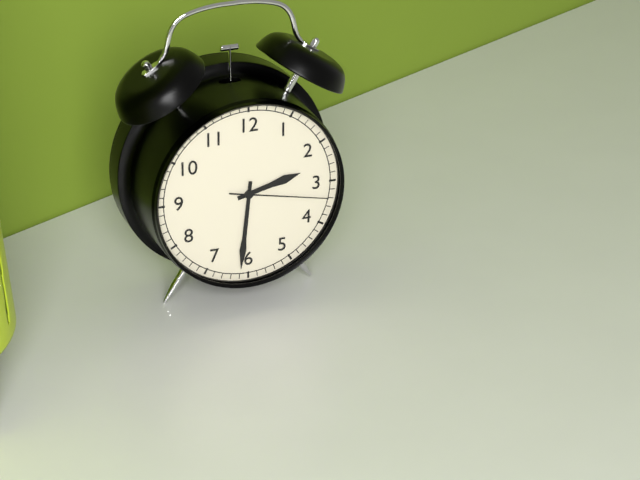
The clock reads {"hour": 2, "minute": 31, "second": 17}
